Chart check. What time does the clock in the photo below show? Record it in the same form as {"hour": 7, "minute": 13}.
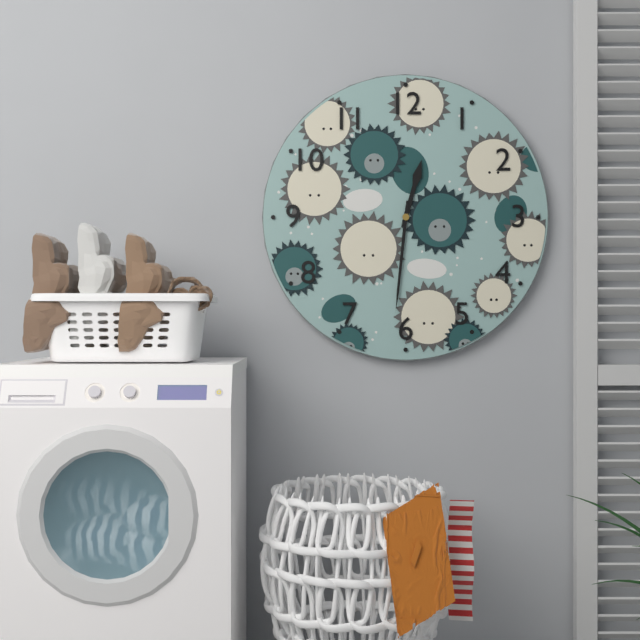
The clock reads {"hour": 12, "minute": 31}
